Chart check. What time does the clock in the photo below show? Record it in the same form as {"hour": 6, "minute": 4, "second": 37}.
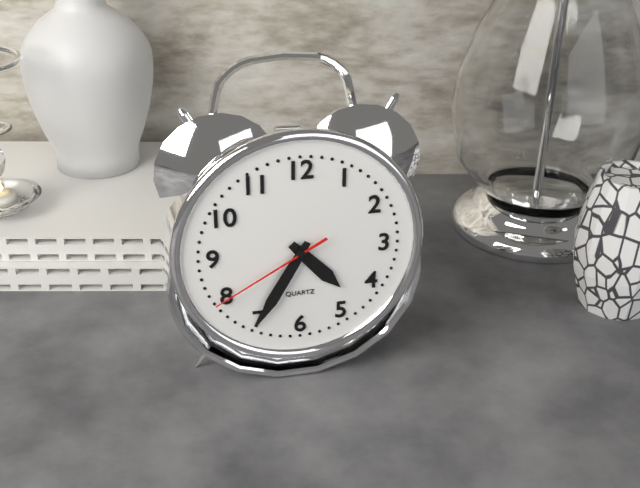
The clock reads {"hour": 4, "minute": 35, "second": 40}
